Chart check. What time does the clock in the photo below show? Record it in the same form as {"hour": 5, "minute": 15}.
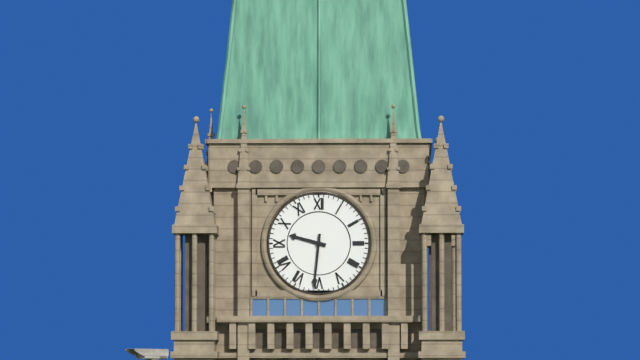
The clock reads {"hour": 9, "minute": 31}
